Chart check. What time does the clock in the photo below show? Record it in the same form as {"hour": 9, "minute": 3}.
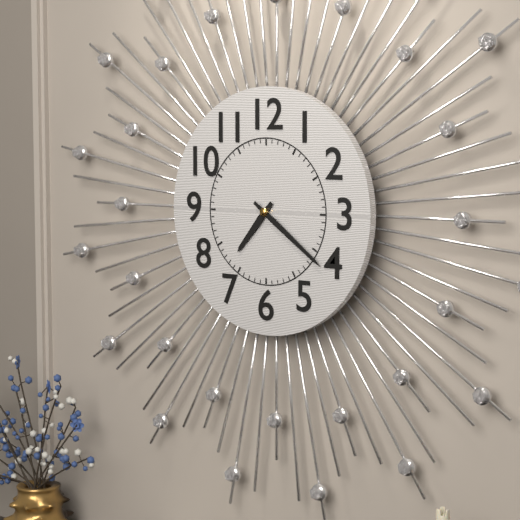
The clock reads {"hour": 7, "minute": 21}
